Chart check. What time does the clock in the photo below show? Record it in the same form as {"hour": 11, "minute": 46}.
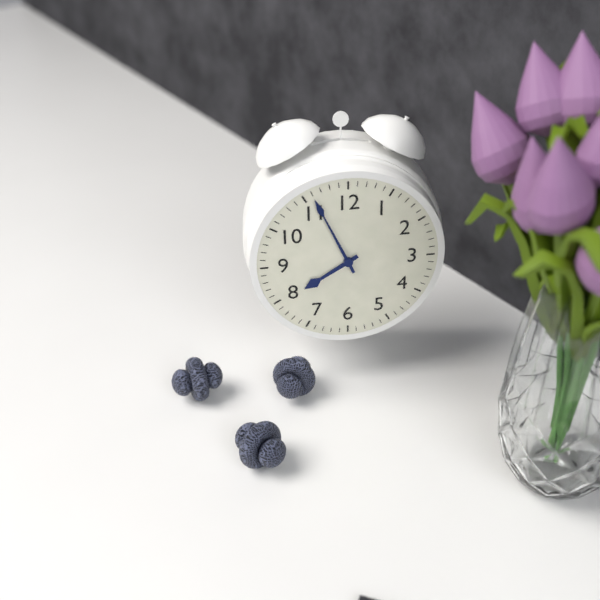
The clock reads {"hour": 7, "minute": 56}
